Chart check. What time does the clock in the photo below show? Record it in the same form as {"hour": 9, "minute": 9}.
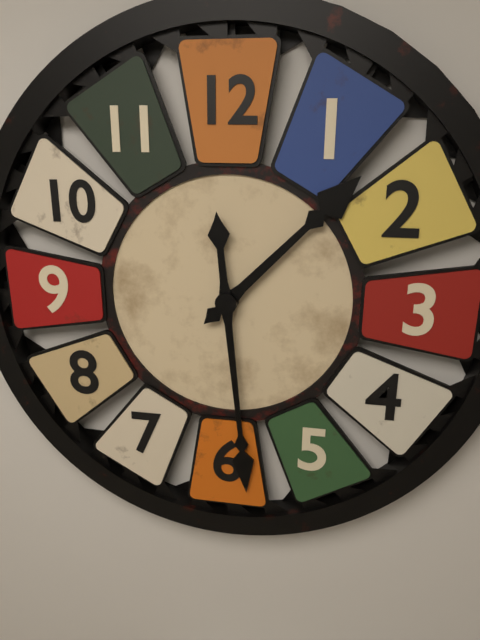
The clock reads {"hour": 1, "minute": 29}
